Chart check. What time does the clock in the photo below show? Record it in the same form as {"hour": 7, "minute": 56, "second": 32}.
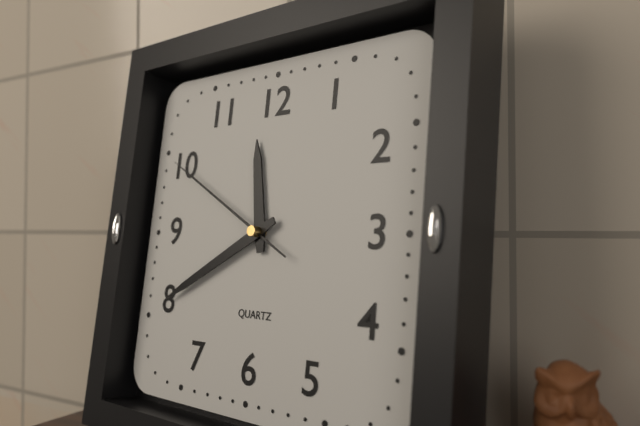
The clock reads {"hour": 11, "minute": 40, "second": 50}
